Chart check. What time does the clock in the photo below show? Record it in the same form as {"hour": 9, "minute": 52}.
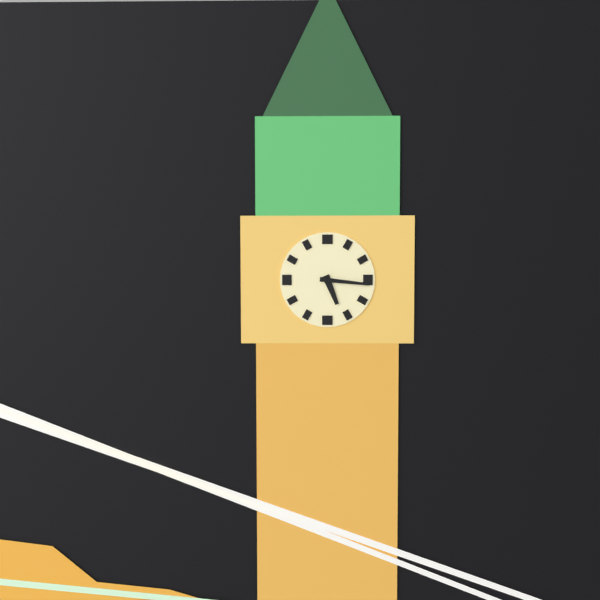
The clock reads {"hour": 5, "minute": 16}
